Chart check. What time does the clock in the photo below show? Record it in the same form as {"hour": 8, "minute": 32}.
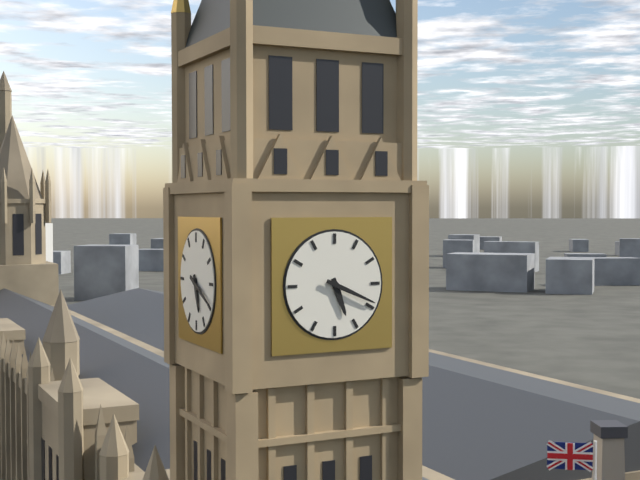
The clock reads {"hour": 5, "minute": 19}
